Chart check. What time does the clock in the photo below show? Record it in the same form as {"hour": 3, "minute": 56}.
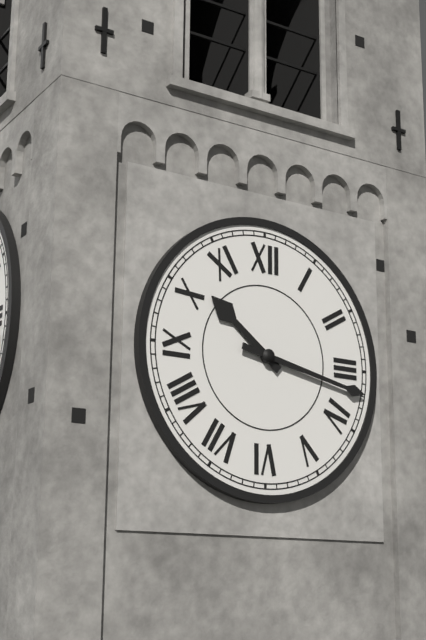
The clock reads {"hour": 10, "minute": 17}
